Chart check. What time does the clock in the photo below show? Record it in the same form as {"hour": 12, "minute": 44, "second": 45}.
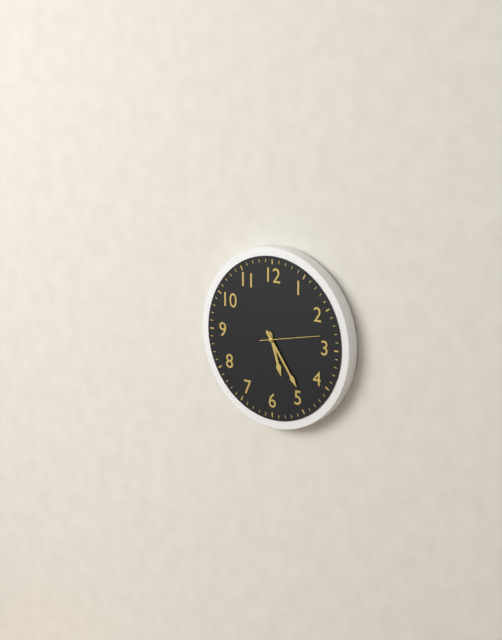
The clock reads {"hour": 5, "minute": 24, "second": 13}
